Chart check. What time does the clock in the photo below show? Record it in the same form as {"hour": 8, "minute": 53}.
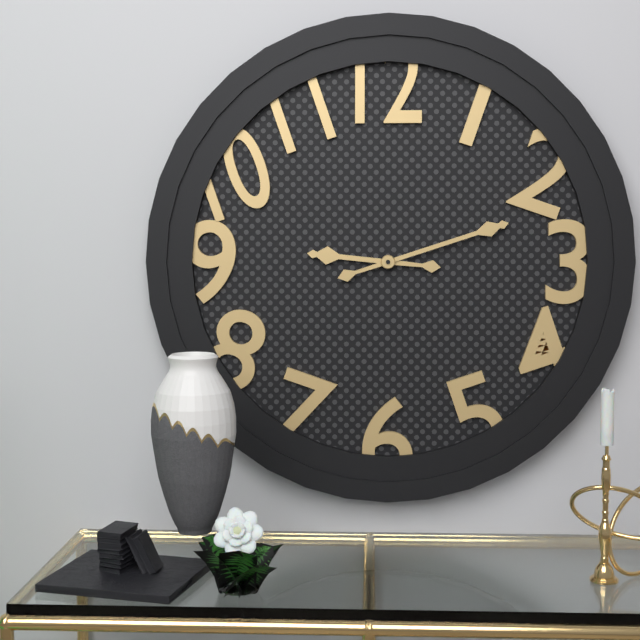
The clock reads {"hour": 9, "minute": 12}
